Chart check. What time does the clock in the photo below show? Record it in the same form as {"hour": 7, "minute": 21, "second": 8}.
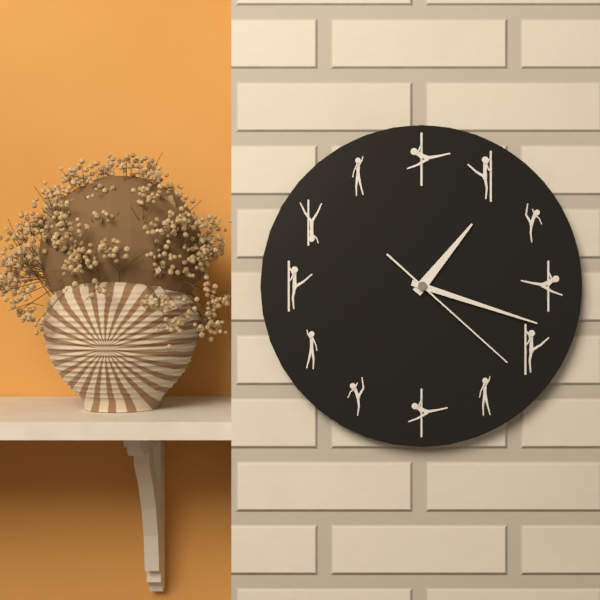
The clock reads {"hour": 1, "minute": 18, "second": 22}
